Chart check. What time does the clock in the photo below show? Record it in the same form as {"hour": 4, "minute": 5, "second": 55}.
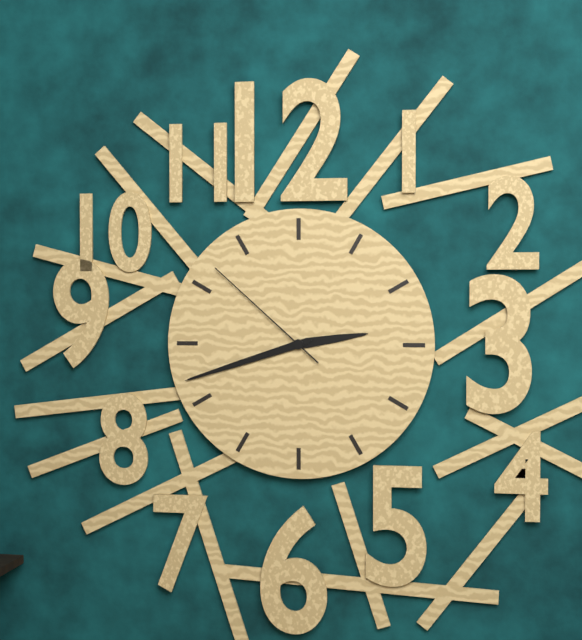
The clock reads {"hour": 2, "minute": 42, "second": 52}
